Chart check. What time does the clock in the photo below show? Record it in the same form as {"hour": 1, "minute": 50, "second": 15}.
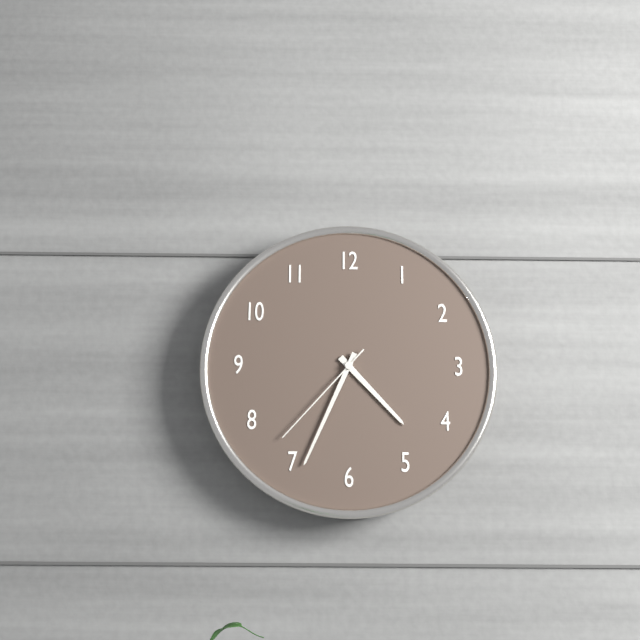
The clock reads {"hour": 4, "minute": 34, "second": 37}
